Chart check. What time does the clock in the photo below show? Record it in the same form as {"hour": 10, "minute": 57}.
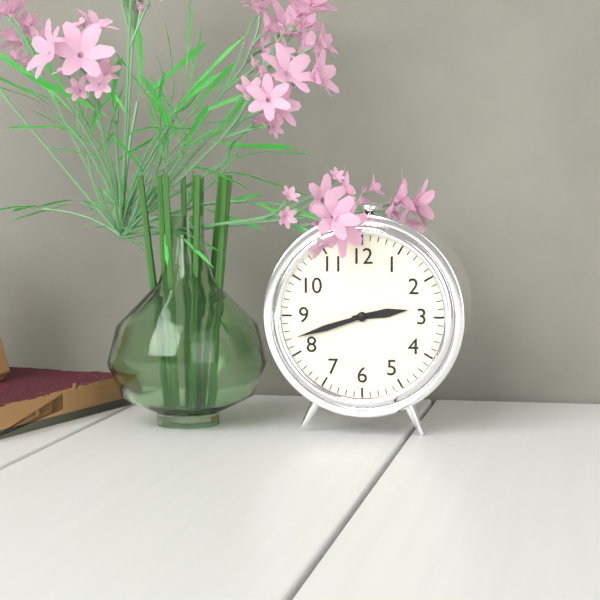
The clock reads {"hour": 2, "minute": 42}
